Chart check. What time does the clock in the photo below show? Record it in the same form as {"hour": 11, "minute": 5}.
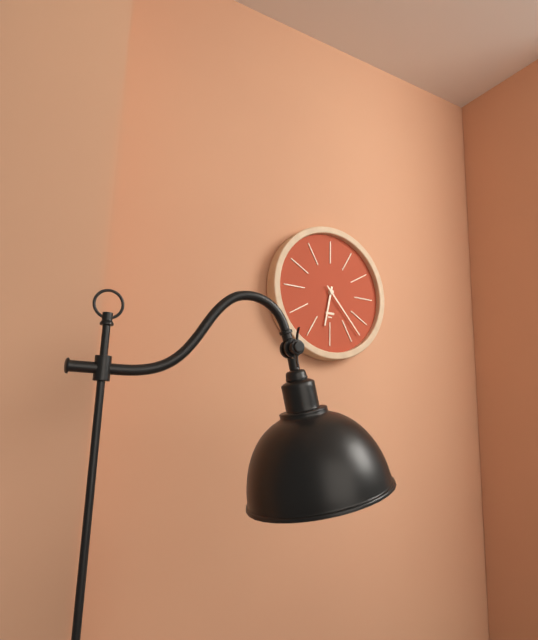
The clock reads {"hour": 6, "minute": 23}
